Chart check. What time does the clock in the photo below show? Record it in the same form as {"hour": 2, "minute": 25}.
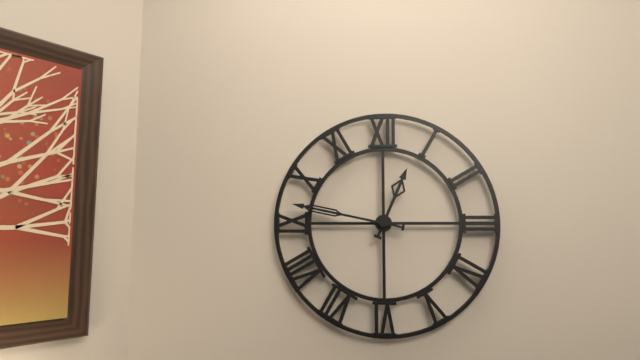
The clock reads {"hour": 12, "minute": 47}
